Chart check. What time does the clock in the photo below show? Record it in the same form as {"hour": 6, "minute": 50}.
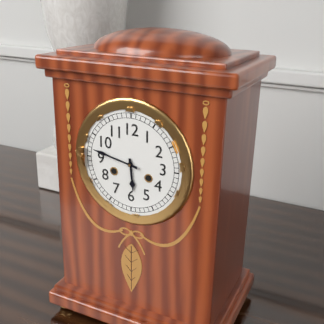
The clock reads {"hour": 5, "minute": 47}
